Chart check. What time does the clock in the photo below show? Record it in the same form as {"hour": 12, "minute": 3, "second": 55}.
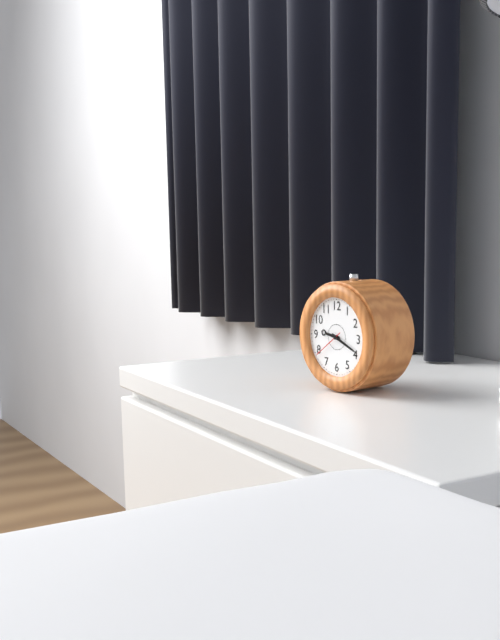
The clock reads {"hour": 9, "minute": 19, "second": 39}
